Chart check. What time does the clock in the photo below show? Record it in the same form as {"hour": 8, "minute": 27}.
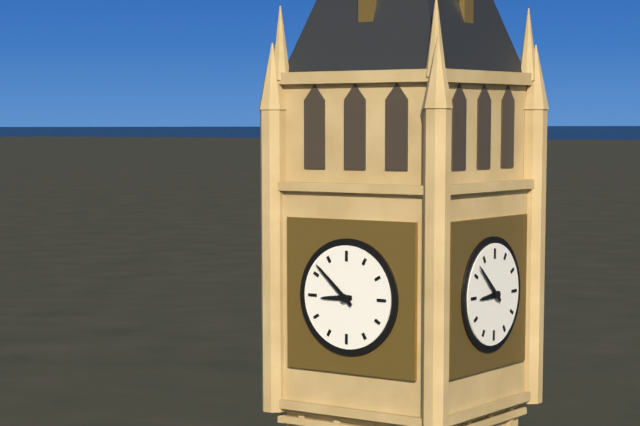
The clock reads {"hour": 8, "minute": 52}
